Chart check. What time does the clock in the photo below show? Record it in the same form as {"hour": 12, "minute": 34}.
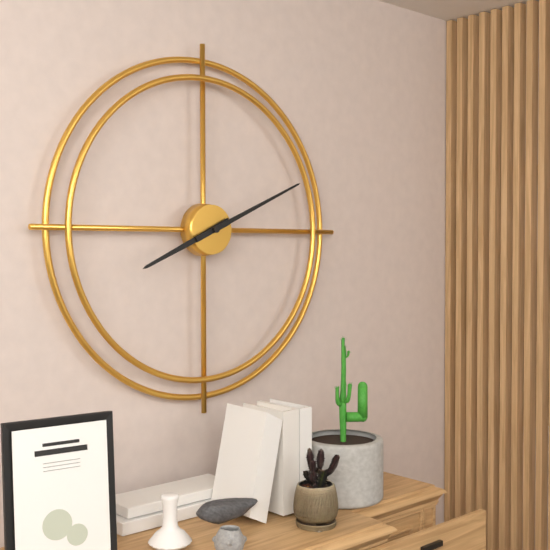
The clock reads {"hour": 8, "minute": 11}
